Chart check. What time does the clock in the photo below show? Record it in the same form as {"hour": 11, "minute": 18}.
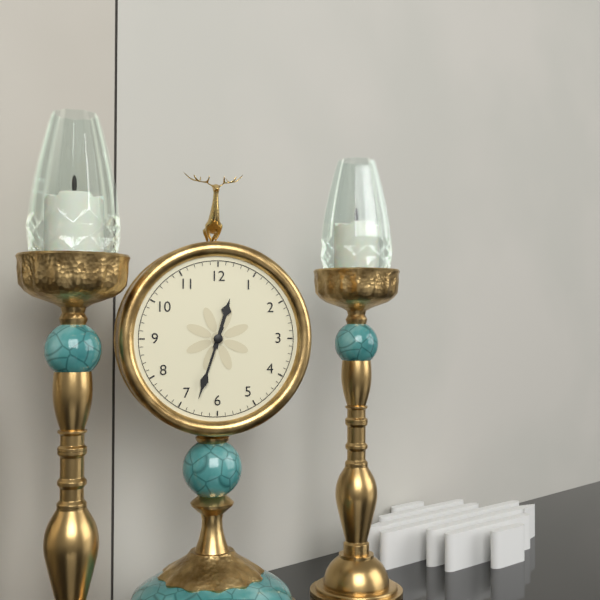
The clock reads {"hour": 12, "minute": 33}
